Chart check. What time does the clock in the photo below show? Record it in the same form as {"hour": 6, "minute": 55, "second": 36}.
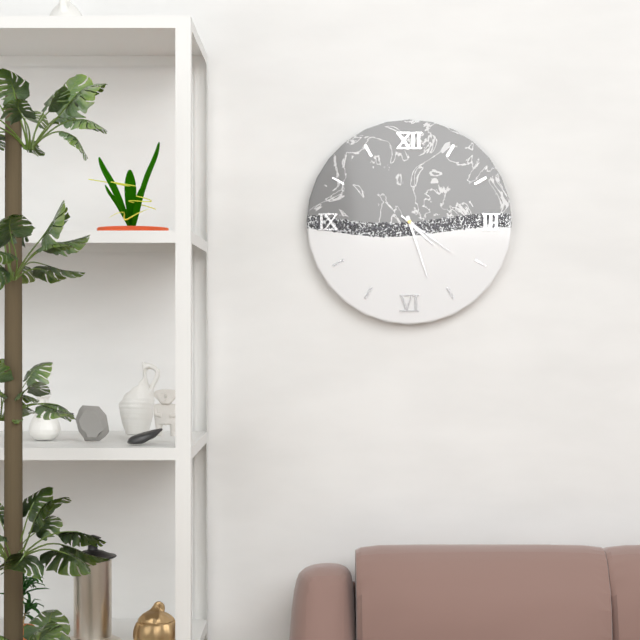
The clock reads {"hour": 4, "minute": 27, "second": 21}
